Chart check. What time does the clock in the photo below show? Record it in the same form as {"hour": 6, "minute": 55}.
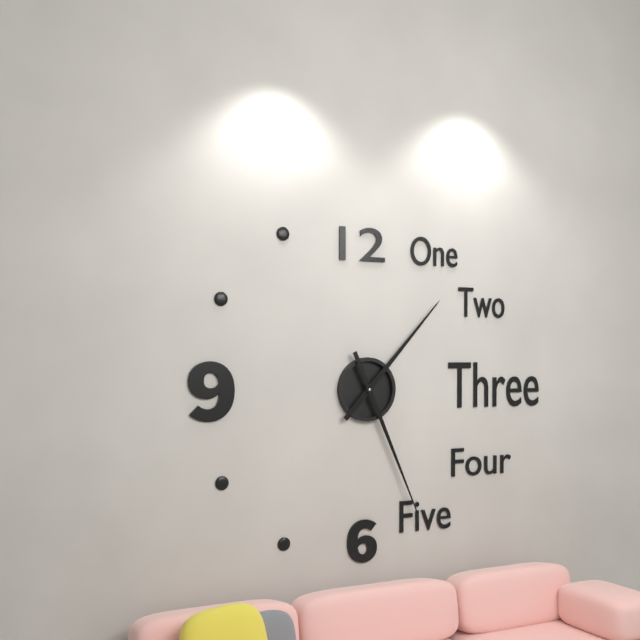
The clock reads {"hour": 1, "minute": 26}
